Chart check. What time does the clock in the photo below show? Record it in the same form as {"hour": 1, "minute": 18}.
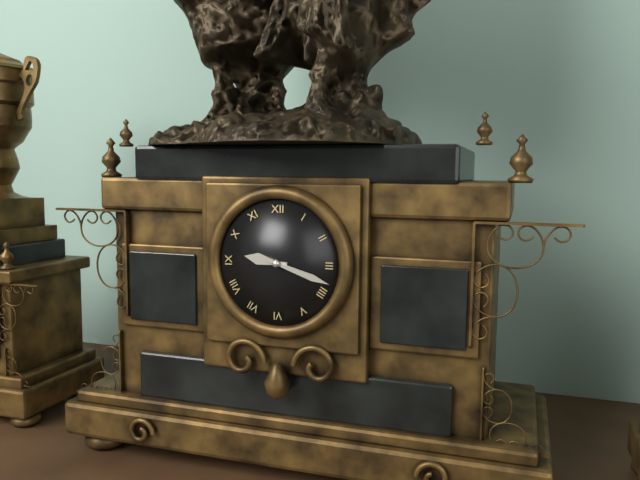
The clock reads {"hour": 9, "minute": 18}
